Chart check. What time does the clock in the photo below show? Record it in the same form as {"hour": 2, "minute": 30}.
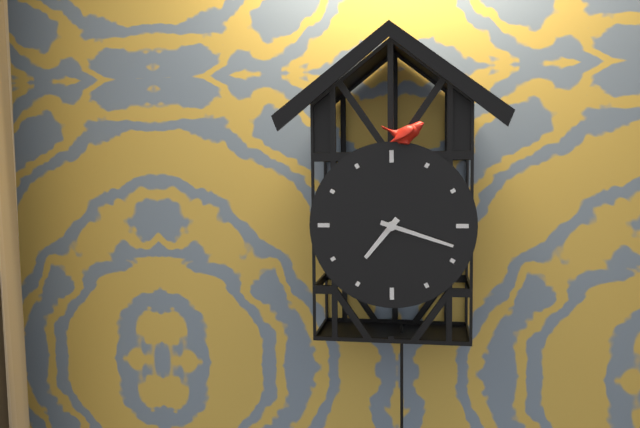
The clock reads {"hour": 7, "minute": 18}
